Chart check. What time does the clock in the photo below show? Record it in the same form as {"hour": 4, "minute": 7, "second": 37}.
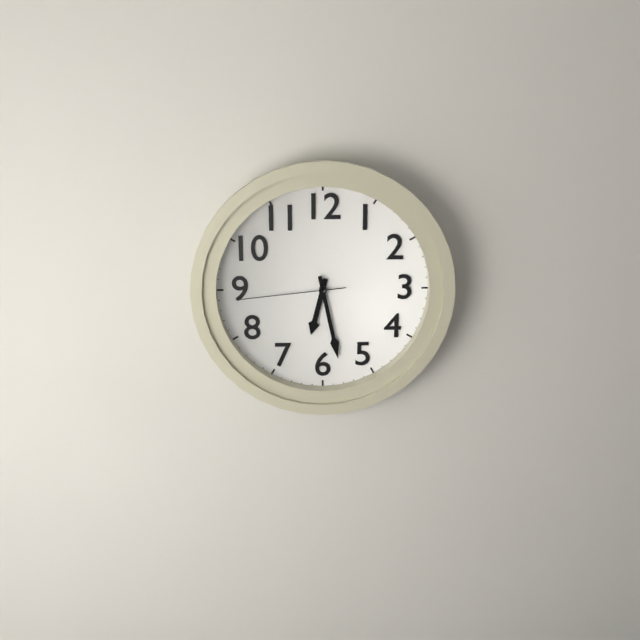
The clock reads {"hour": 6, "minute": 28, "second": 44}
